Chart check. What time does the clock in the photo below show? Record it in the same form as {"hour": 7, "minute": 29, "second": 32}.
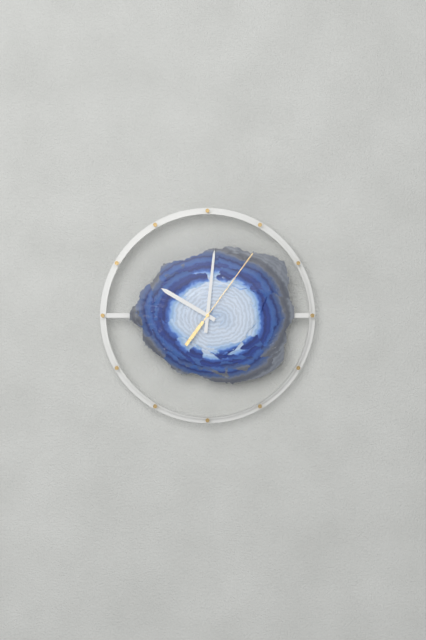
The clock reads {"hour": 10, "minute": 1, "second": 6}
